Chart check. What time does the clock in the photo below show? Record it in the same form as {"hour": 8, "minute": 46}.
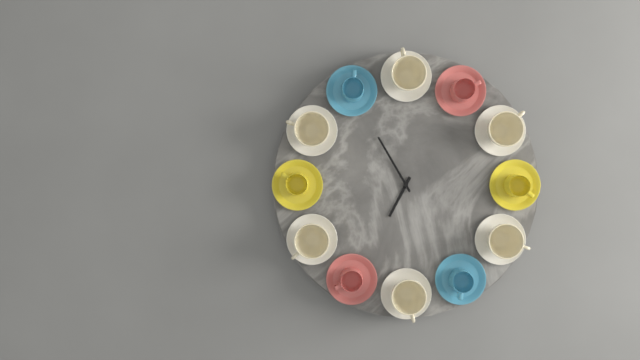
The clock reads {"hour": 6, "minute": 55}
